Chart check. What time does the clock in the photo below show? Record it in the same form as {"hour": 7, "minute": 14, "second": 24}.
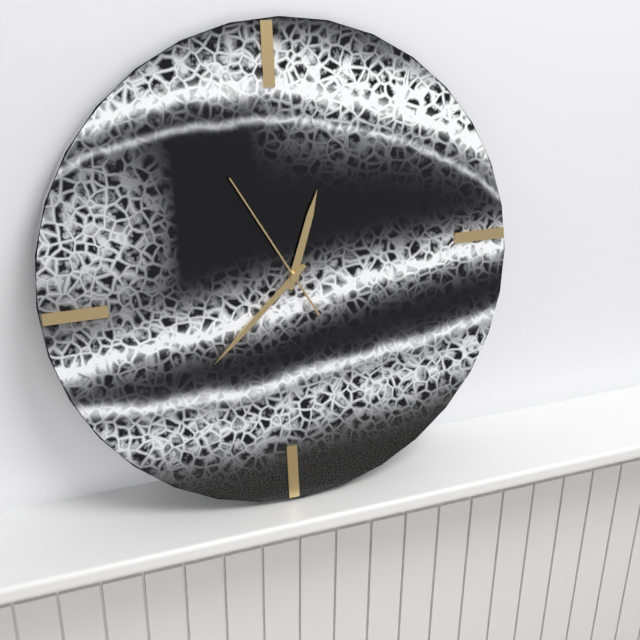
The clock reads {"hour": 12, "minute": 38, "second": 55}
